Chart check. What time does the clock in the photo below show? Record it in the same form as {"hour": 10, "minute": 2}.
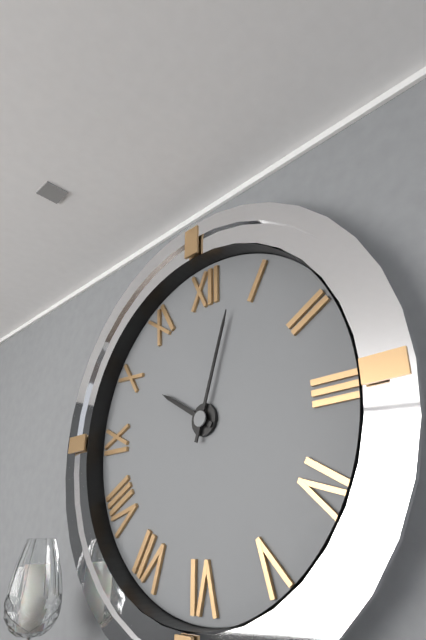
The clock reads {"hour": 10, "minute": 3}
